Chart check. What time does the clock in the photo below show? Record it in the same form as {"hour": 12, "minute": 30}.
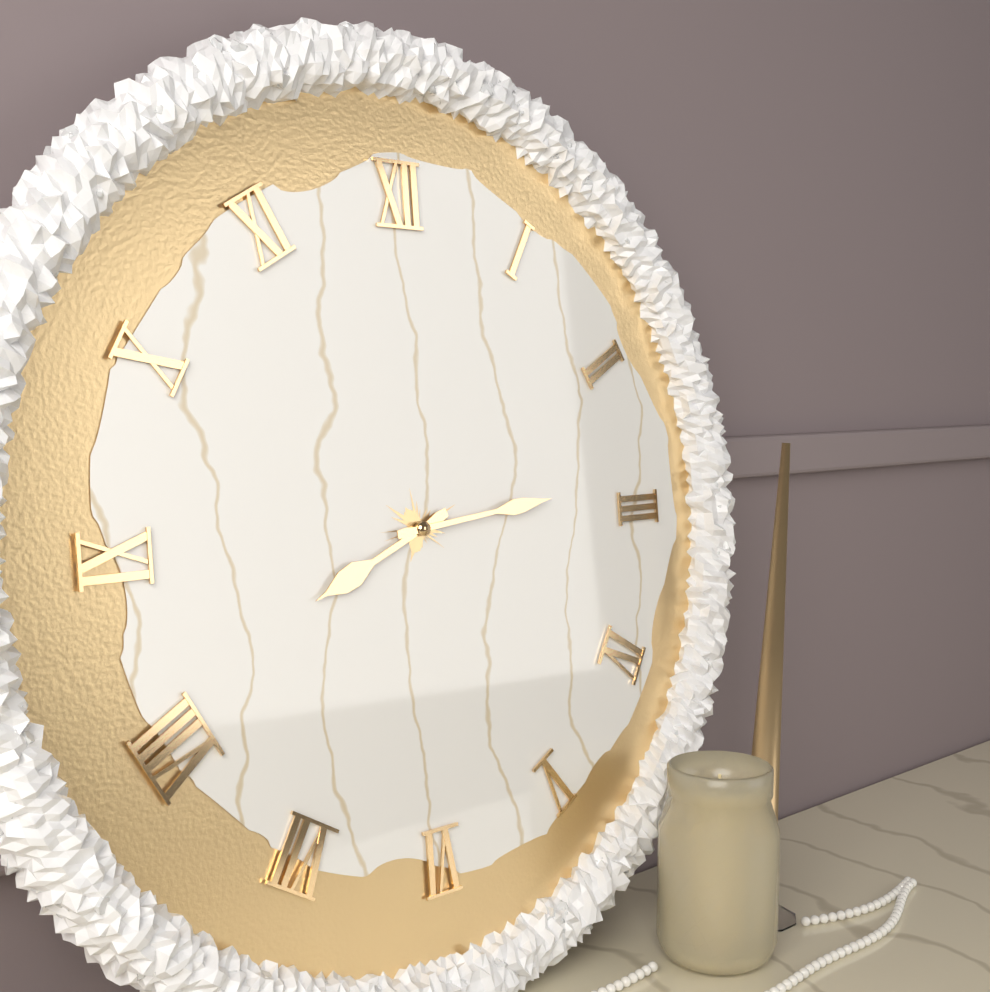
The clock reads {"hour": 8, "minute": 14}
